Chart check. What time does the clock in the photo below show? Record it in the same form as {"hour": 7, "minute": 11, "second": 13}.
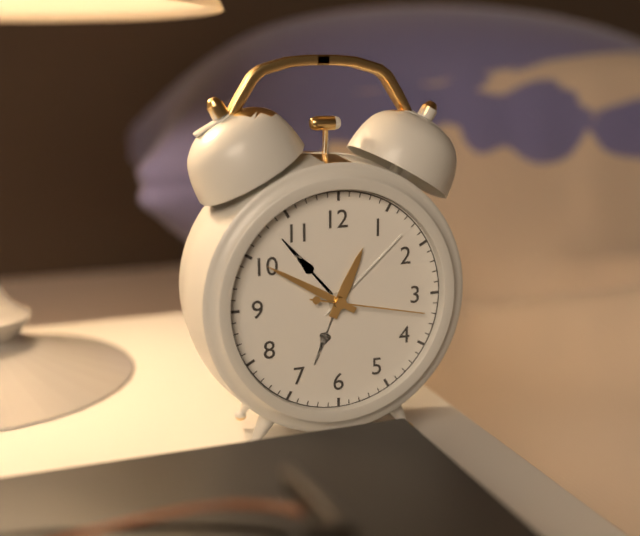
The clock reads {"hour": 12, "minute": 50, "second": 17}
